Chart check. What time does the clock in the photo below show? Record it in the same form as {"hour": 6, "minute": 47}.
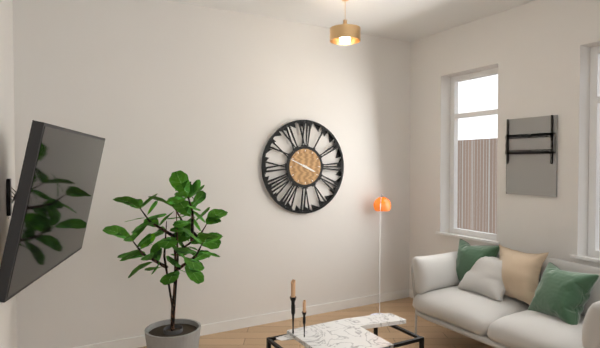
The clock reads {"hour": 3, "minute": 49}
